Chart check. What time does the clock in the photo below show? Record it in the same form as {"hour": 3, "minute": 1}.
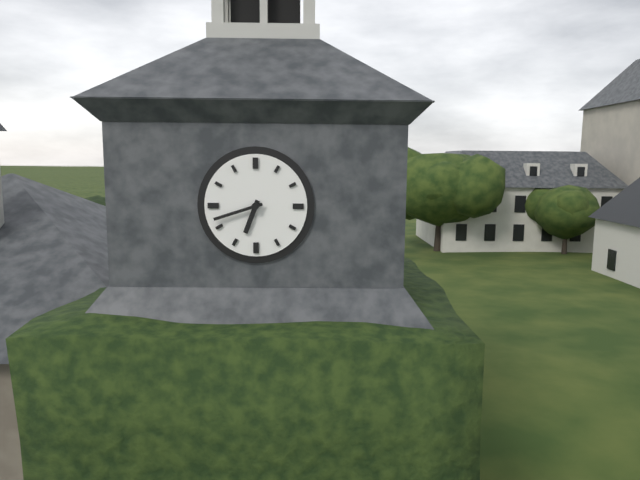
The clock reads {"hour": 6, "minute": 42}
